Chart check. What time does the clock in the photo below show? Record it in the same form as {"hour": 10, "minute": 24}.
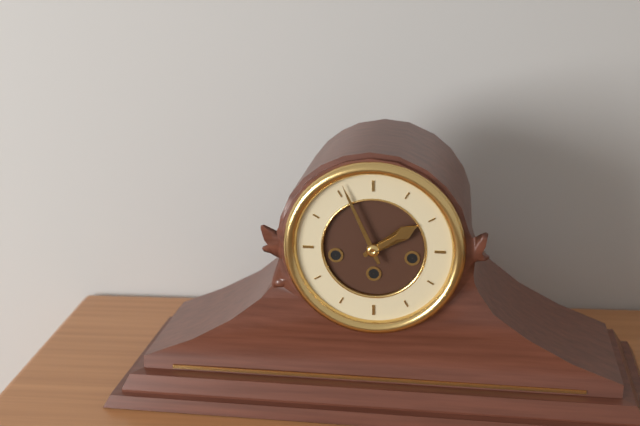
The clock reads {"hour": 1, "minute": 56}
